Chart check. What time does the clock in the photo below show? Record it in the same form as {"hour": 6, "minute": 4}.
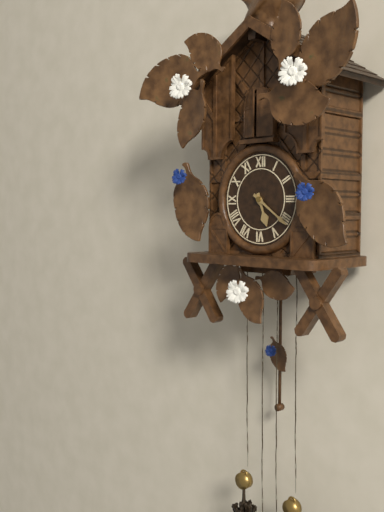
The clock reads {"hour": 5, "minute": 21}
